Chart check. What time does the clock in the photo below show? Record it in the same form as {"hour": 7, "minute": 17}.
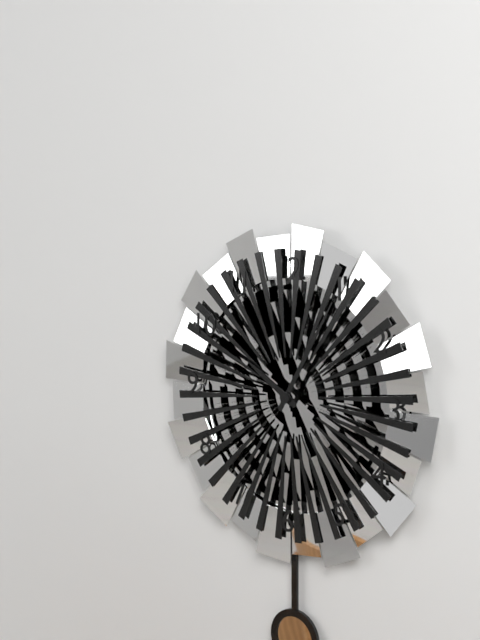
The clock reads {"hour": 10, "minute": 5}
